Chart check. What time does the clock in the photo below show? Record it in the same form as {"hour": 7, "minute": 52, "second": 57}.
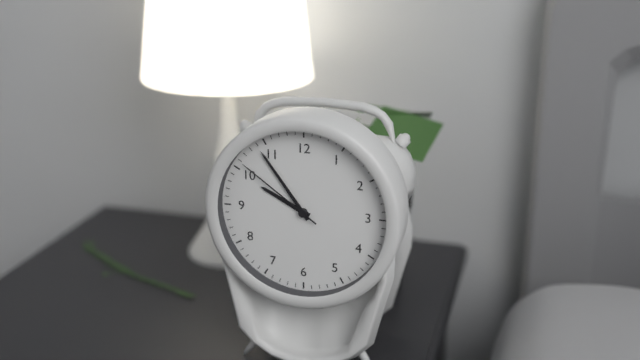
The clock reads {"hour": 9, "minute": 54, "second": 51}
